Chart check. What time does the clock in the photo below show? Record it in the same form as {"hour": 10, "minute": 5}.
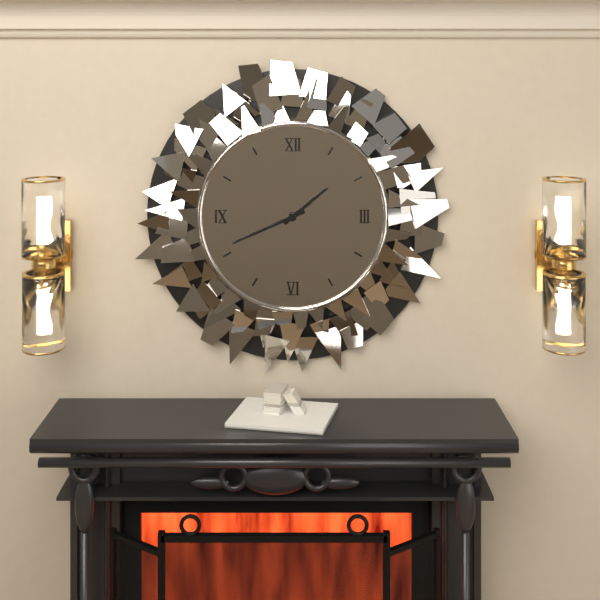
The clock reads {"hour": 1, "minute": 41}
